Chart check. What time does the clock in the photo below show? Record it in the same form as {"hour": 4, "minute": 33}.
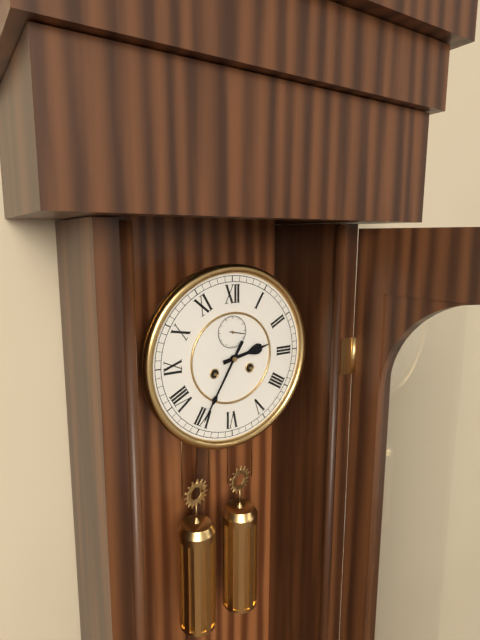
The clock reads {"hour": 2, "minute": 35}
